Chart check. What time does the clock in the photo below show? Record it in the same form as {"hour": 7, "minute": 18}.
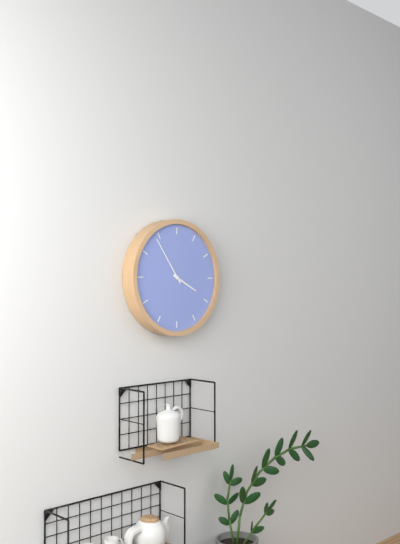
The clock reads {"hour": 3, "minute": 54}
